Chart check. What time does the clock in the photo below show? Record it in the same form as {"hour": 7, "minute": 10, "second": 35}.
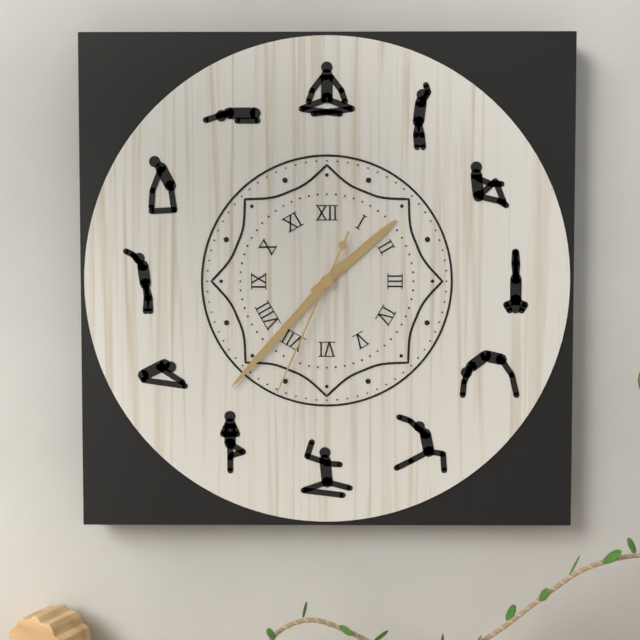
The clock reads {"hour": 1, "minute": 37, "second": 34}
